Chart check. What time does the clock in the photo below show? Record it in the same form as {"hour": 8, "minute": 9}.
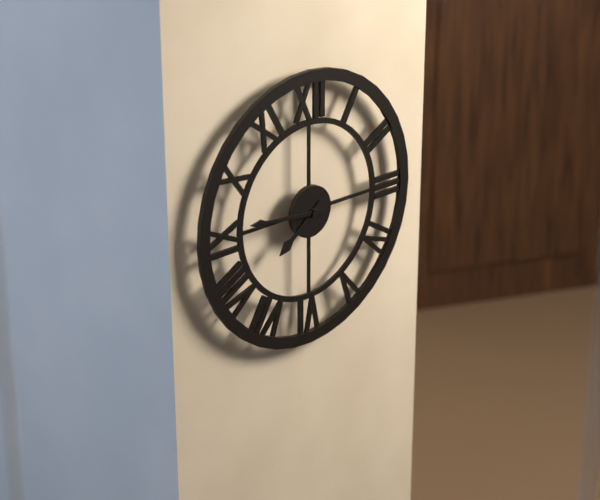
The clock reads {"hour": 7, "minute": 46}
